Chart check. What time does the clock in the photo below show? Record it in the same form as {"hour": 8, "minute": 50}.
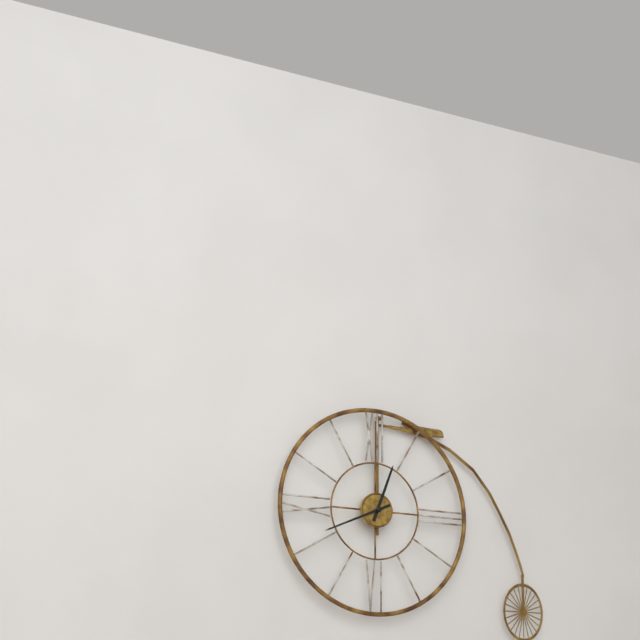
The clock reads {"hour": 12, "minute": 41}
